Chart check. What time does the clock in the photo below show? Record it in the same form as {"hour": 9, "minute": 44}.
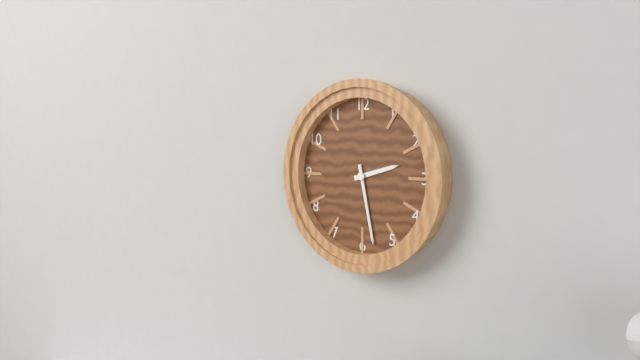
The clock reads {"hour": 2, "minute": 28}
